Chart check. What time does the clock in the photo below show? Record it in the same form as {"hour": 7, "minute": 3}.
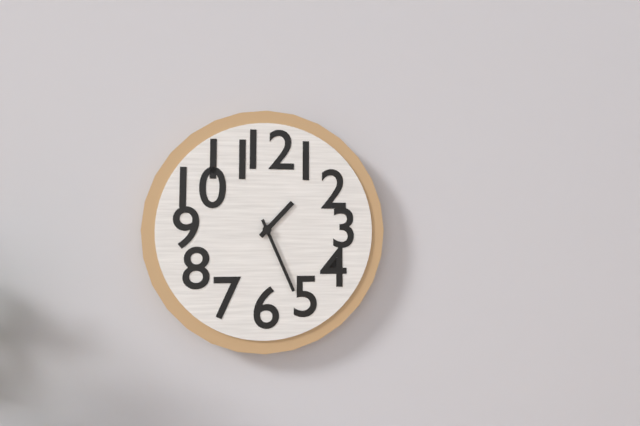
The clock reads {"hour": 1, "minute": 26}
